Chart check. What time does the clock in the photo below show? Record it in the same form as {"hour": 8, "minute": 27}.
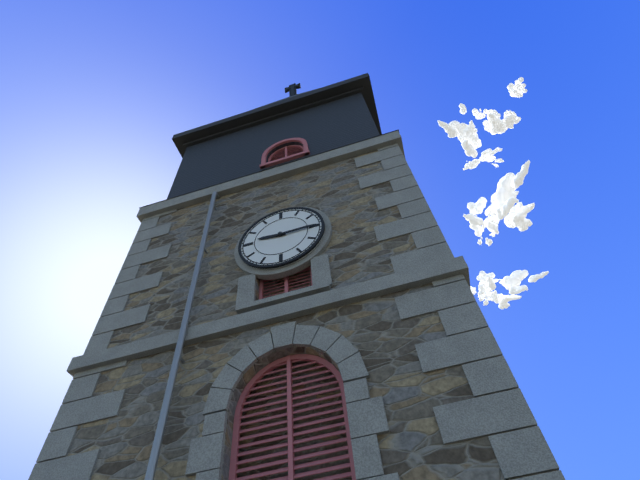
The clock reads {"hour": 9, "minute": 15}
